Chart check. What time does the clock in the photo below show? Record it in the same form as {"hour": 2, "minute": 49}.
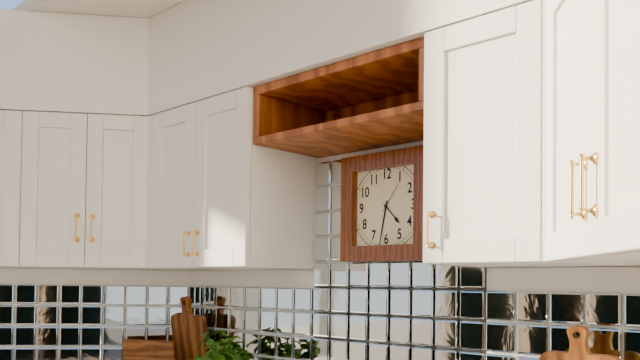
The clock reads {"hour": 4, "minute": 32}
